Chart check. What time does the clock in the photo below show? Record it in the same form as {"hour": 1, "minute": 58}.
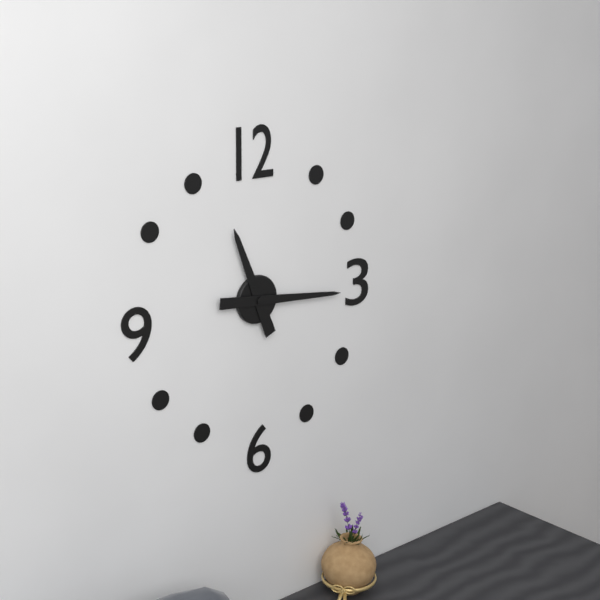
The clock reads {"hour": 11, "minute": 16}
